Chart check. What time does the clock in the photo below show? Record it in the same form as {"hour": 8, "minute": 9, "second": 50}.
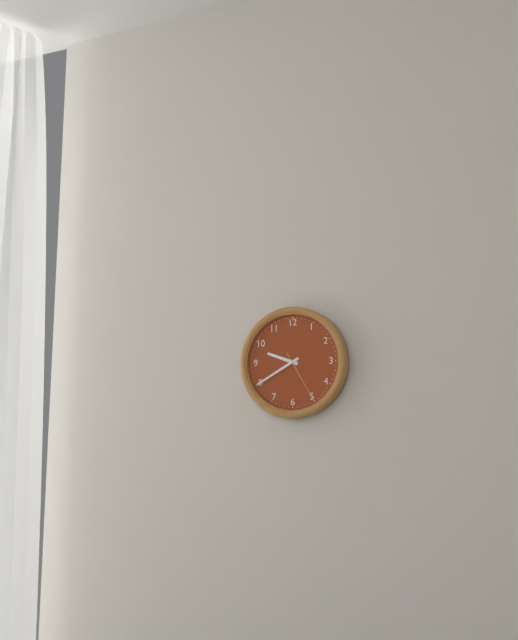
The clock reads {"hour": 9, "minute": 40, "second": 25}
